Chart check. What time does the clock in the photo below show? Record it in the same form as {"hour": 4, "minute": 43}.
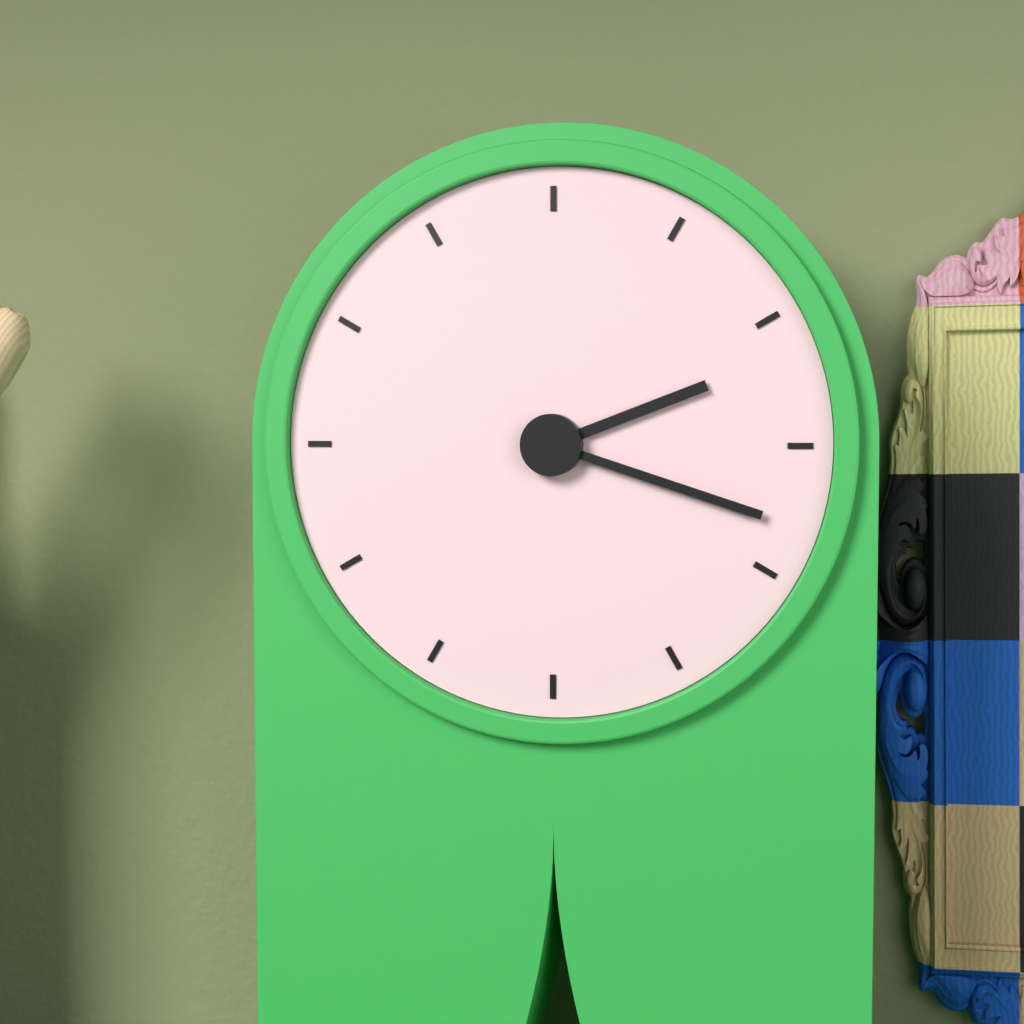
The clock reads {"hour": 2, "minute": 18}
